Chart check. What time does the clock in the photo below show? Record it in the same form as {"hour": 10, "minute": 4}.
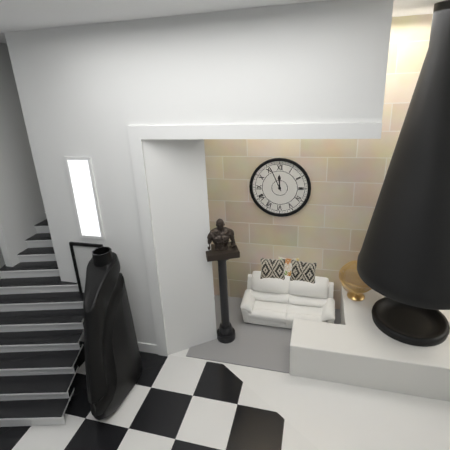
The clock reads {"hour": 11, "minute": 56}
